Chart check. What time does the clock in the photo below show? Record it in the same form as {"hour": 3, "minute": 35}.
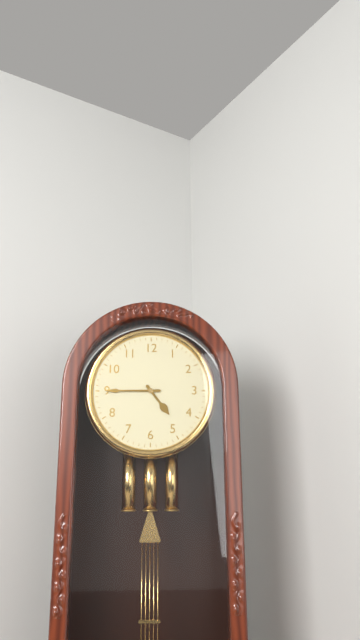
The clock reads {"hour": 4, "minute": 45}
